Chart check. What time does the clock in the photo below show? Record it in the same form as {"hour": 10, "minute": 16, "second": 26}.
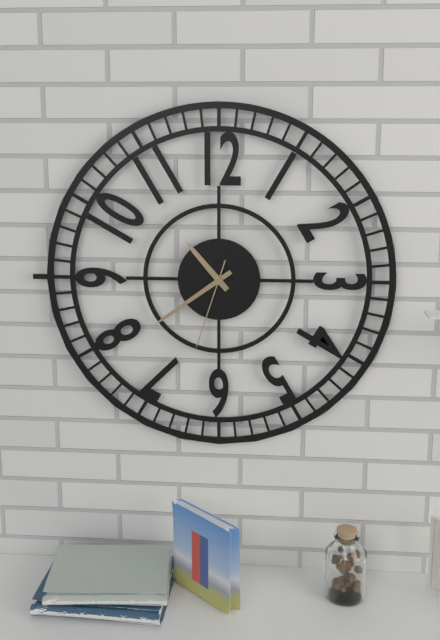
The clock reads {"hour": 10, "minute": 39, "second": 33}
